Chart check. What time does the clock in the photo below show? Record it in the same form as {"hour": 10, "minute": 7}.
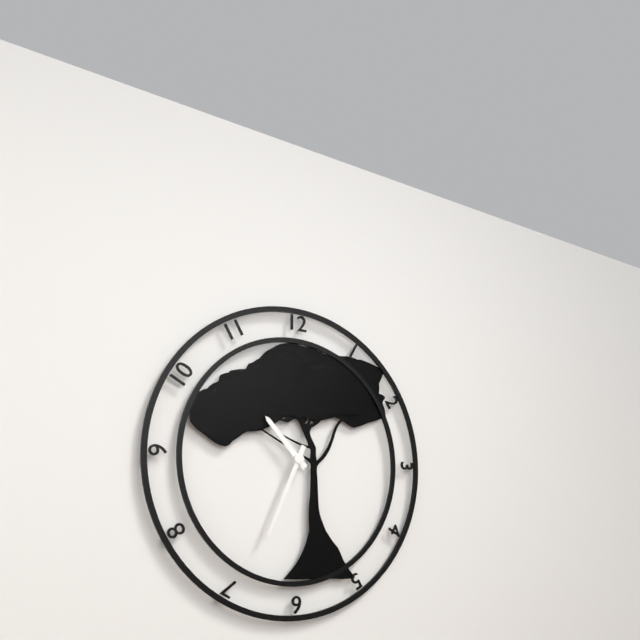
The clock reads {"hour": 10, "minute": 34}
